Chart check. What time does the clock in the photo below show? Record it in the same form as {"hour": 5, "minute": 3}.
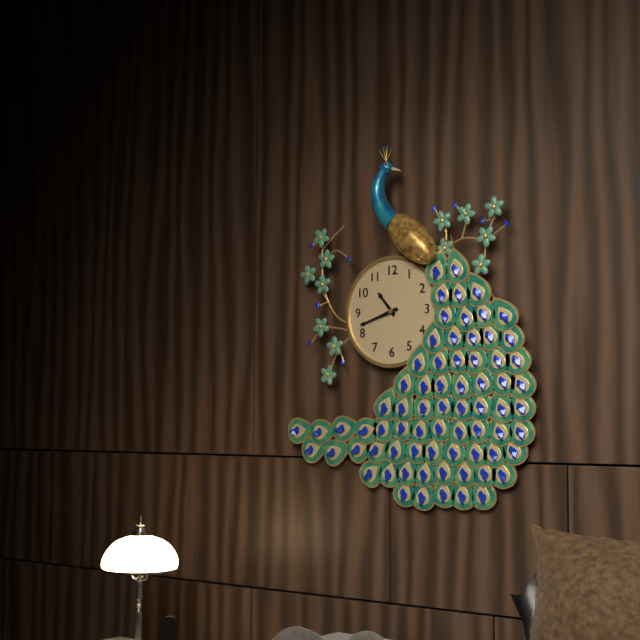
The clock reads {"hour": 10, "minute": 42}
